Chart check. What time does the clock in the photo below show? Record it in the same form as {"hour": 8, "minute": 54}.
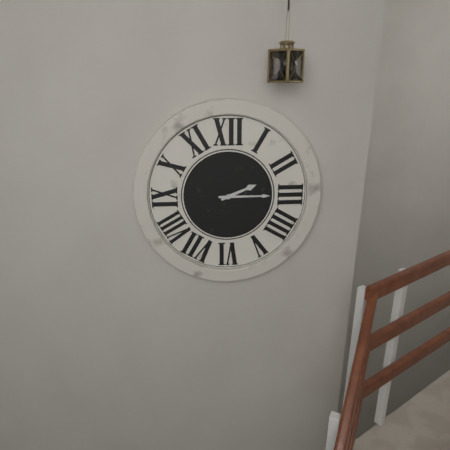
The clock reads {"hour": 2, "minute": 15}
